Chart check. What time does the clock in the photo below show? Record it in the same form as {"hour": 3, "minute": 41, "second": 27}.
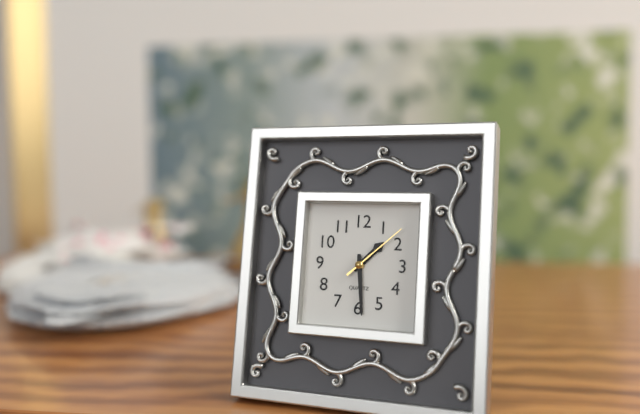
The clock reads {"hour": 1, "minute": 29, "second": 8}
